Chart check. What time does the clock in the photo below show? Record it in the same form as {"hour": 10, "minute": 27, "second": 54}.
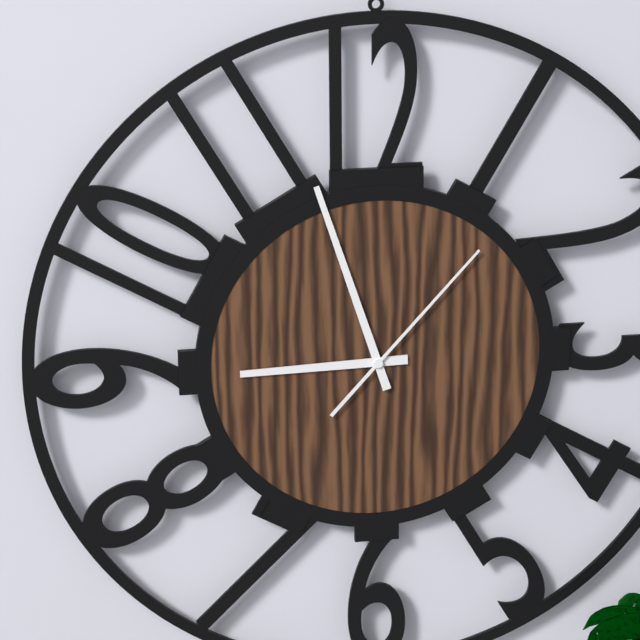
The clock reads {"hour": 8, "minute": 57, "second": 7}
